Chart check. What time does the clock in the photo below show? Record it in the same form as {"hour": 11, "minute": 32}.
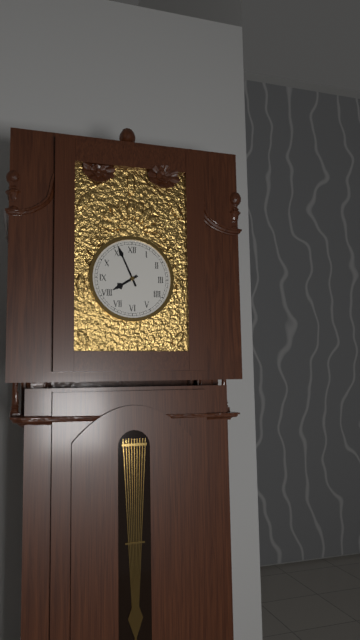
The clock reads {"hour": 7, "minute": 56}
